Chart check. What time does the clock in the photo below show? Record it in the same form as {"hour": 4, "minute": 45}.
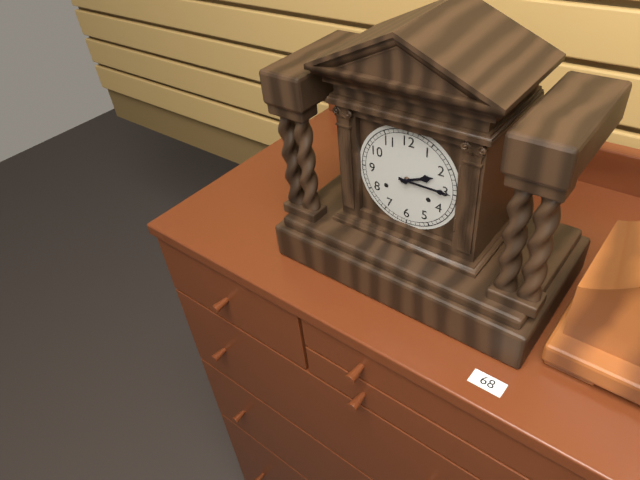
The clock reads {"hour": 2, "minute": 15}
